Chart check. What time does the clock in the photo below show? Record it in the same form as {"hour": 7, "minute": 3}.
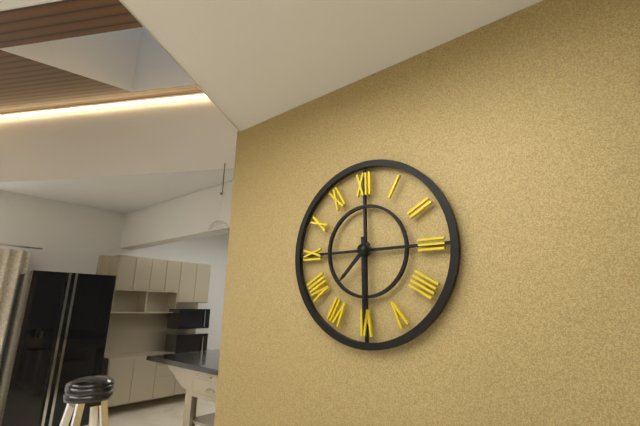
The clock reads {"hour": 7, "minute": 30}
